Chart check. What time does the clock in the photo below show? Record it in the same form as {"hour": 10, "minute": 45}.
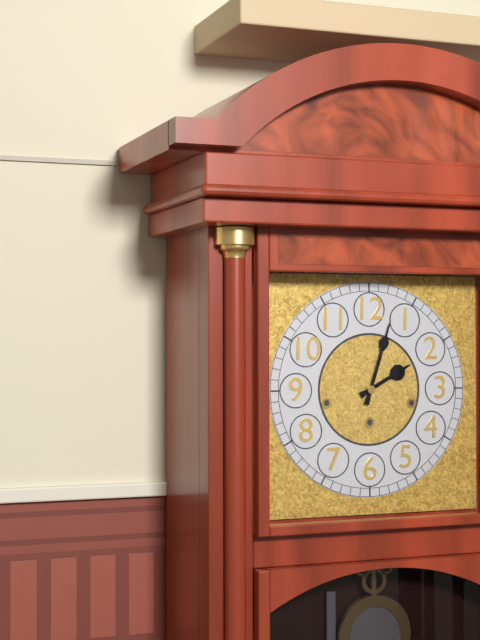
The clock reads {"hour": 2, "minute": 3}
